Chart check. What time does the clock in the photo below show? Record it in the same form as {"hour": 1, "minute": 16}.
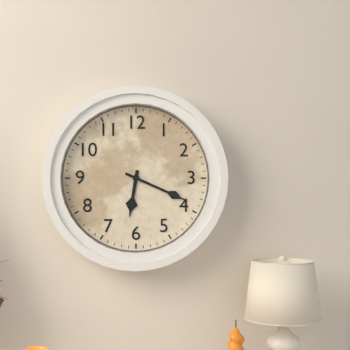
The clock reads {"hour": 6, "minute": 19}
